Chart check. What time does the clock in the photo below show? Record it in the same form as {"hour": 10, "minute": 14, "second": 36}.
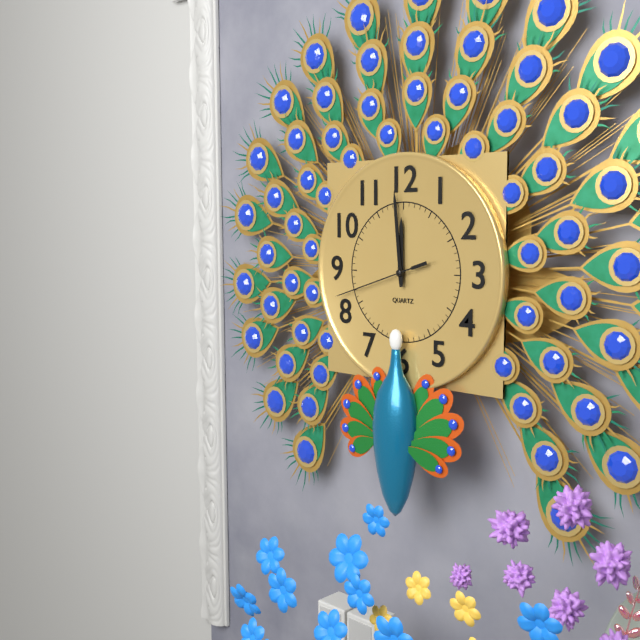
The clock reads {"hour": 11, "minute": 59, "second": 42}
